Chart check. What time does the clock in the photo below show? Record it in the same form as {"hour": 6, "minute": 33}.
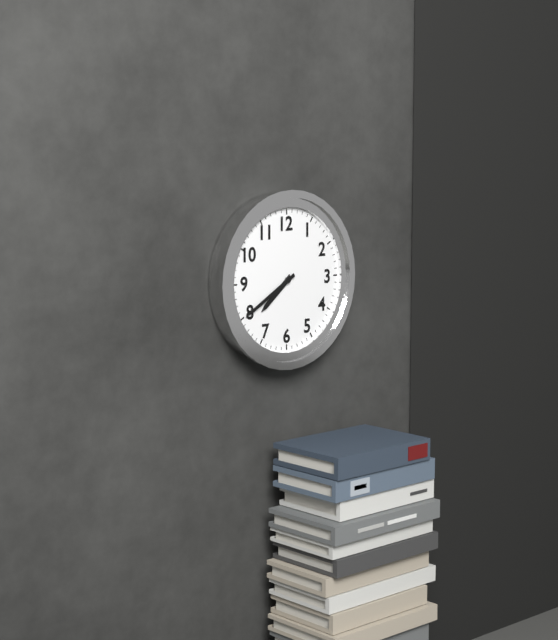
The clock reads {"hour": 7, "minute": 40}
